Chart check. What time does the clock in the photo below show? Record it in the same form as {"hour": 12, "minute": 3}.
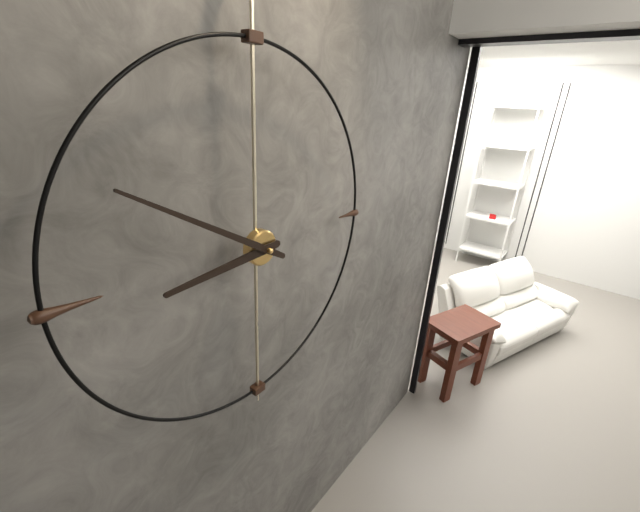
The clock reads {"hour": 8, "minute": 50}
